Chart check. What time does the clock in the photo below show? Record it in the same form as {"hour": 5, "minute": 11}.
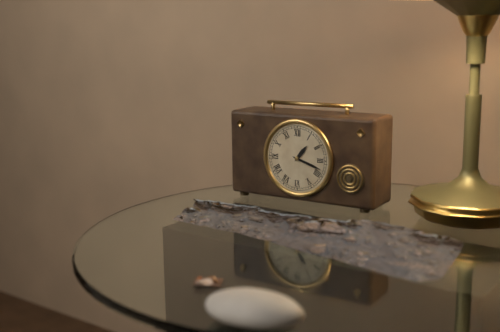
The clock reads {"hour": 1, "minute": 18}
